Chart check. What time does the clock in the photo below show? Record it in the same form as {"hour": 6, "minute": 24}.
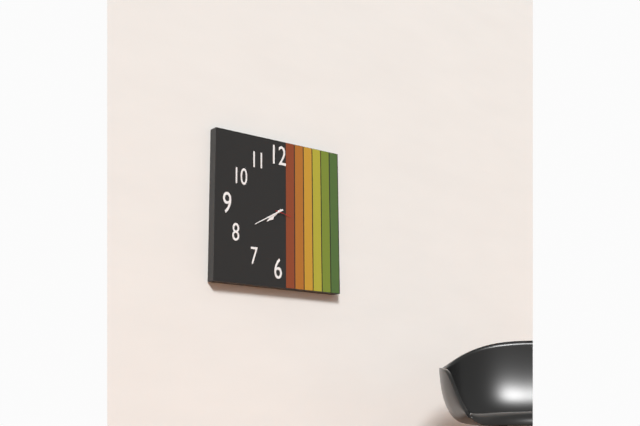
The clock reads {"hour": 7, "minute": 40}
